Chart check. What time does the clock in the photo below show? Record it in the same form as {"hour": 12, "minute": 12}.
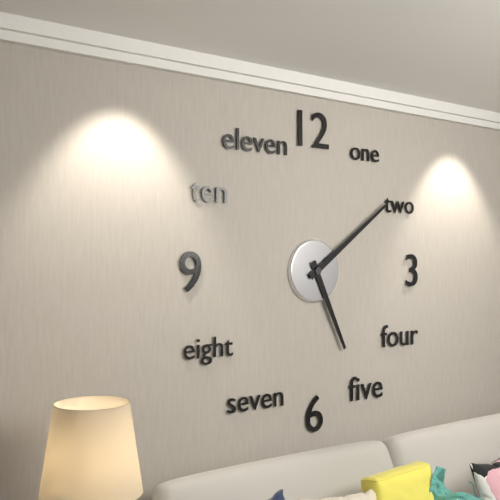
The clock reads {"hour": 5, "minute": 9}
